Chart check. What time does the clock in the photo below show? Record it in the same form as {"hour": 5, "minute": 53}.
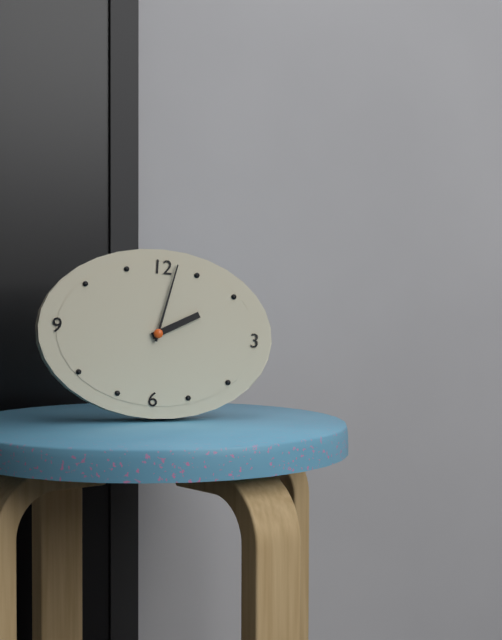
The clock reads {"hour": 2, "minute": 2}
